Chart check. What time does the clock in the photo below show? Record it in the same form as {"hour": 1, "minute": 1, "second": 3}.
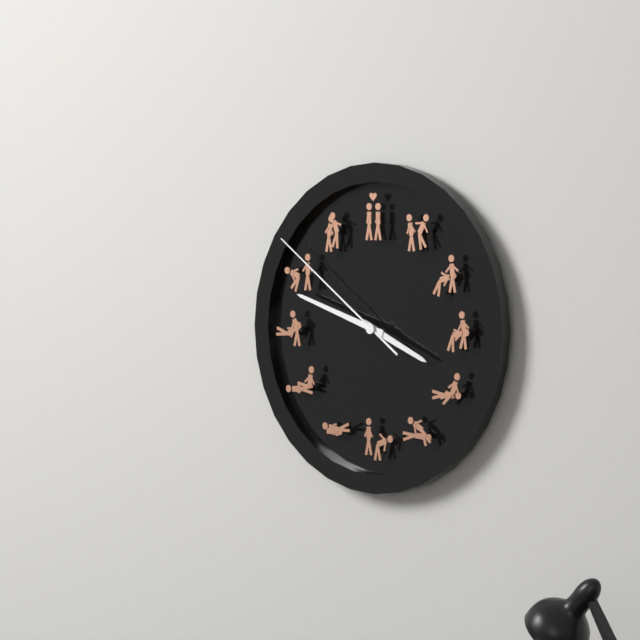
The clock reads {"hour": 3, "minute": 48, "second": 51}
